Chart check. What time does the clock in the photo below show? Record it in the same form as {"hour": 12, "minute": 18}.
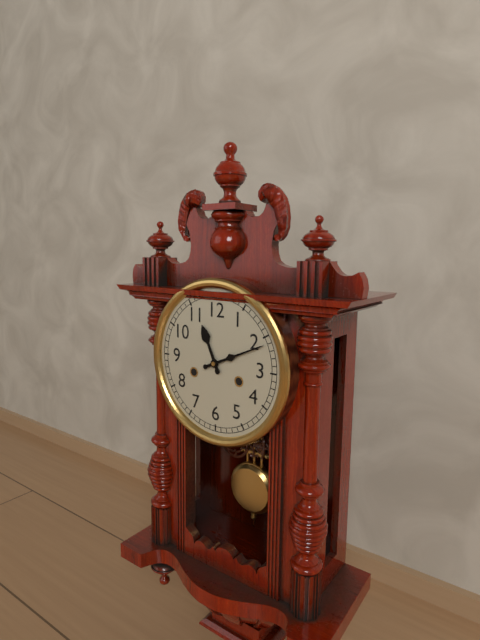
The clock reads {"hour": 11, "minute": 11}
